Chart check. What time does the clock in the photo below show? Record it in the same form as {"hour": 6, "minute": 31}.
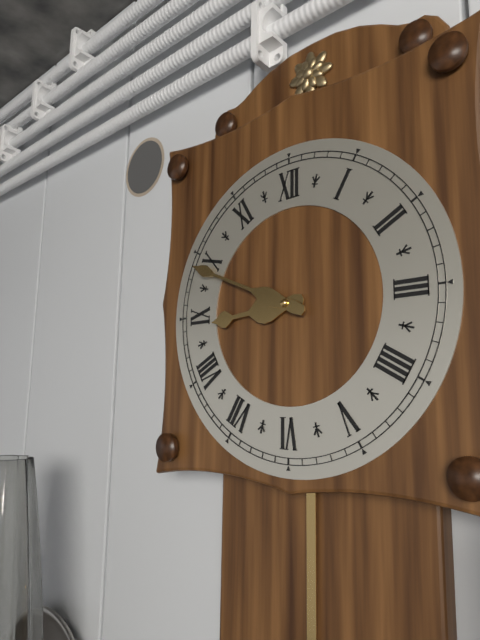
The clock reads {"hour": 8, "minute": 49}
